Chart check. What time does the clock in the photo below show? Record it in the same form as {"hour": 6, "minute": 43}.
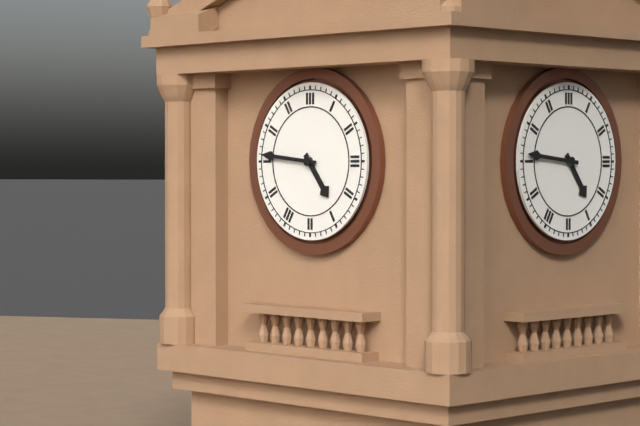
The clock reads {"hour": 4, "minute": 46}
